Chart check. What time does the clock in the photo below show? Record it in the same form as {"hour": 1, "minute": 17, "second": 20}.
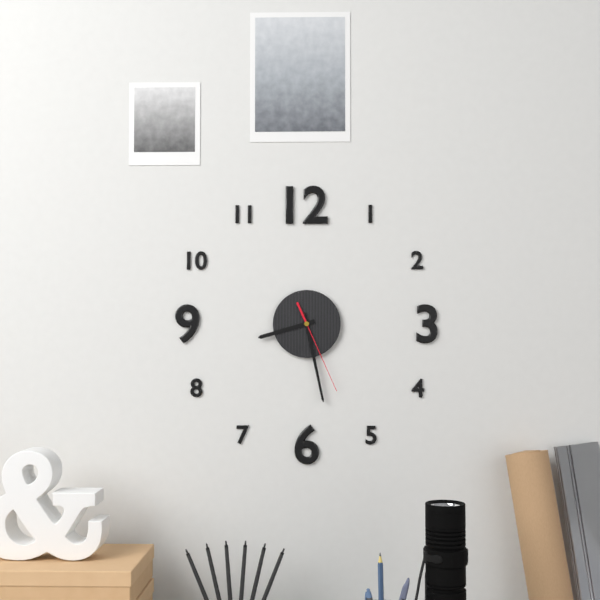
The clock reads {"hour": 8, "minute": 28, "second": 26}
